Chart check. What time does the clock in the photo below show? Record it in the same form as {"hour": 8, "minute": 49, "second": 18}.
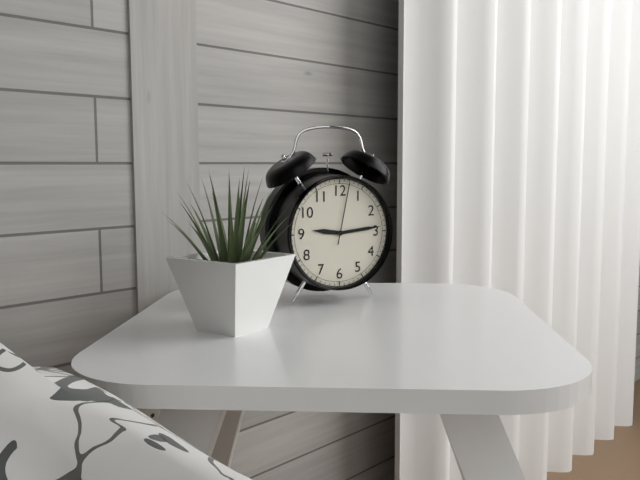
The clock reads {"hour": 9, "minute": 14, "second": 2}
